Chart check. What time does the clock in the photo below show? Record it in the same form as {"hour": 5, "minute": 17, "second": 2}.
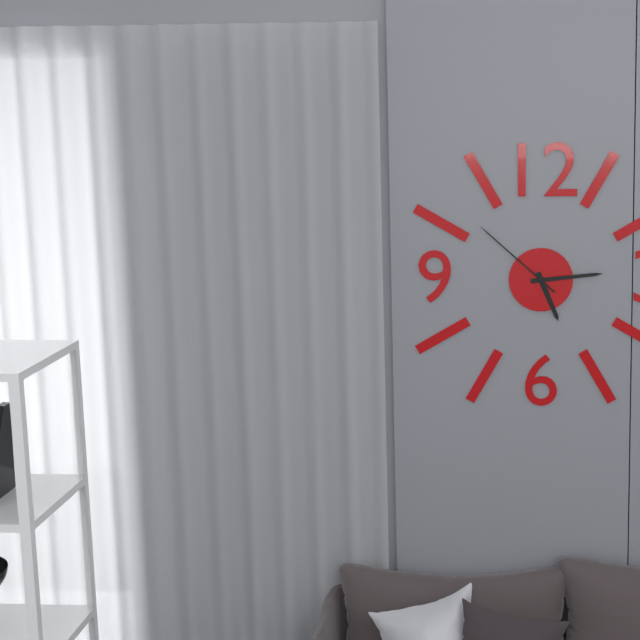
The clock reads {"hour": 5, "minute": 14, "second": 52}
